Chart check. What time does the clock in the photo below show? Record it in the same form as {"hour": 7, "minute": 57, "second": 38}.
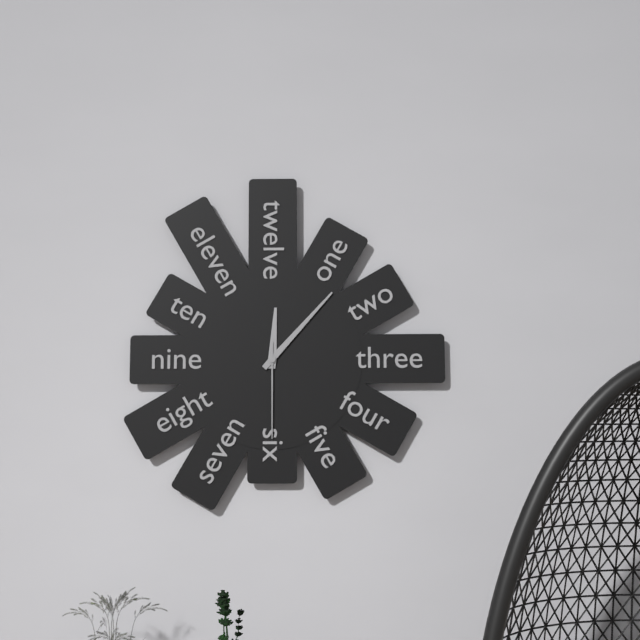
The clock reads {"hour": 12, "minute": 7, "second": 30}
